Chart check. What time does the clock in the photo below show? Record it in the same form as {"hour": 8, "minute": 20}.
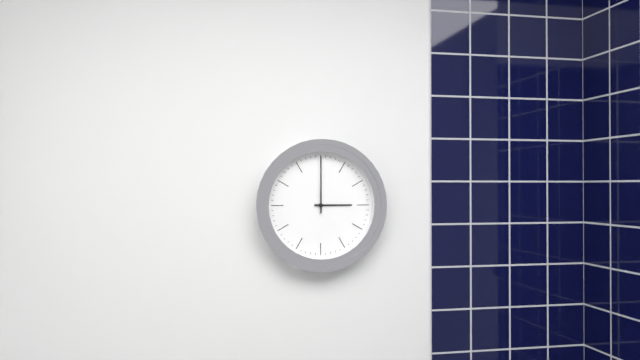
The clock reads {"hour": 3, "minute": 0}
